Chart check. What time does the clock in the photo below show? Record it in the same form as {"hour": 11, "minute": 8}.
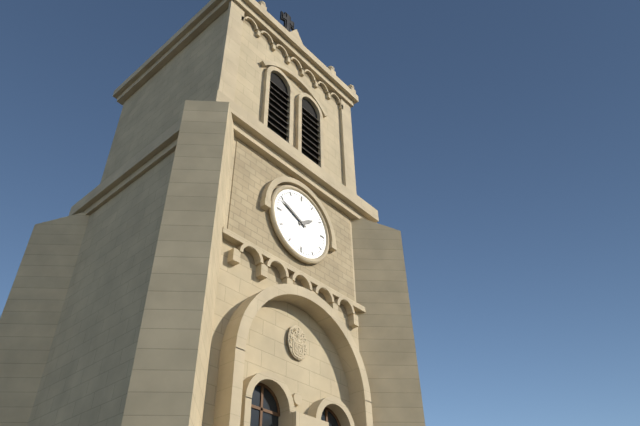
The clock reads {"hour": 1, "minute": 49}
